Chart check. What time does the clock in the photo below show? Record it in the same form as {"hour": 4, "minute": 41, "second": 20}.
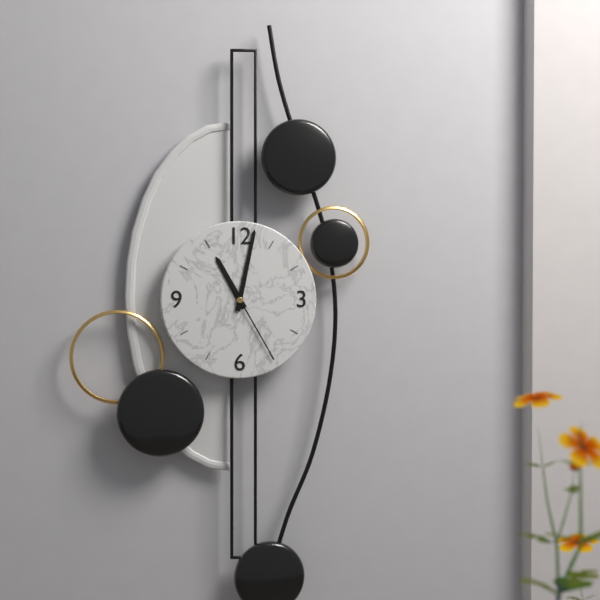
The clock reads {"hour": 11, "minute": 2, "second": 25}
